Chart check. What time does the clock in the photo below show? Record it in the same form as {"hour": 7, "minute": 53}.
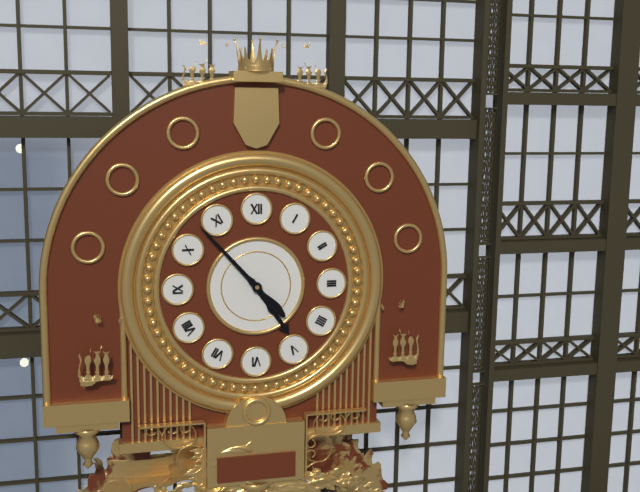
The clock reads {"hour": 4, "minute": 53}
